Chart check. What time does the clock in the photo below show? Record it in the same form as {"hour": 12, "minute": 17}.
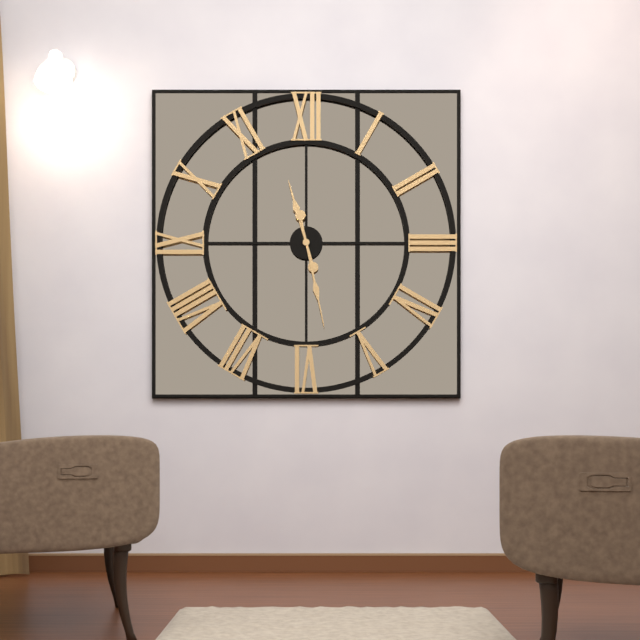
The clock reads {"hour": 11, "minute": 28}
